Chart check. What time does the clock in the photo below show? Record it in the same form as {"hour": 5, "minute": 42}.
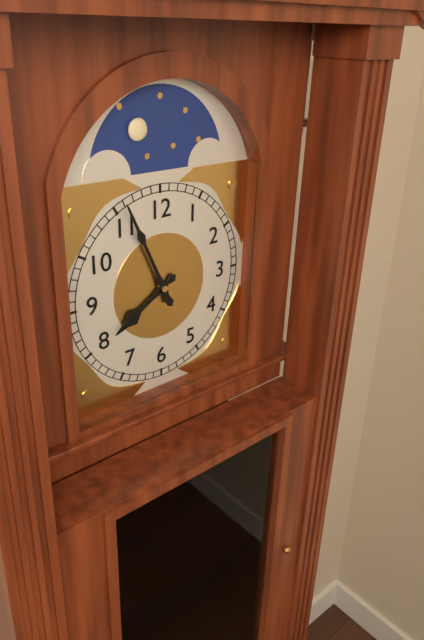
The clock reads {"hour": 7, "minute": 56}
